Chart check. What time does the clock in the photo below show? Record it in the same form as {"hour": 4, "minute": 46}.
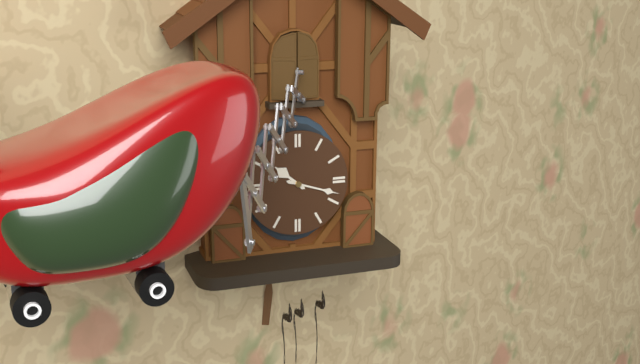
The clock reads {"hour": 10, "minute": 18}
